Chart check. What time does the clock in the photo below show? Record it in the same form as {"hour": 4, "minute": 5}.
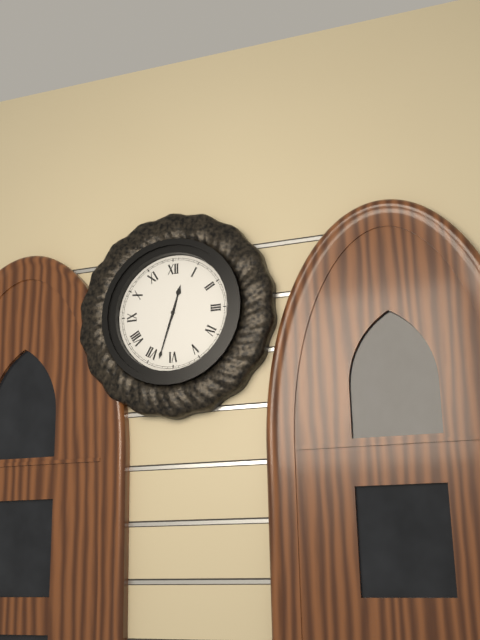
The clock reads {"hour": 12, "minute": 33}
